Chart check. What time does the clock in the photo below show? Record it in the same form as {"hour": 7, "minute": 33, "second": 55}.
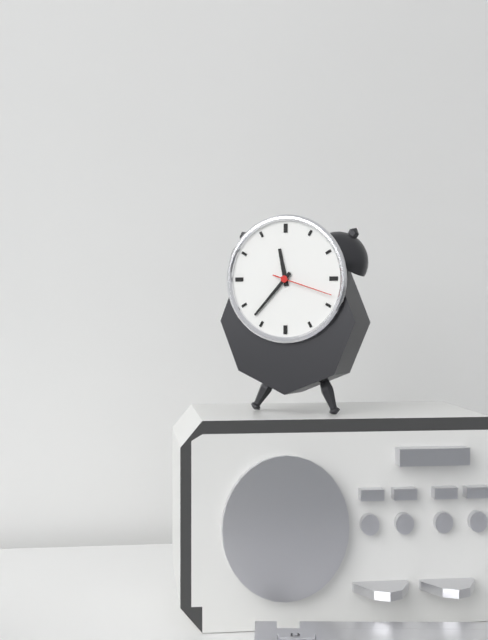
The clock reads {"hour": 11, "minute": 37, "second": 18}
